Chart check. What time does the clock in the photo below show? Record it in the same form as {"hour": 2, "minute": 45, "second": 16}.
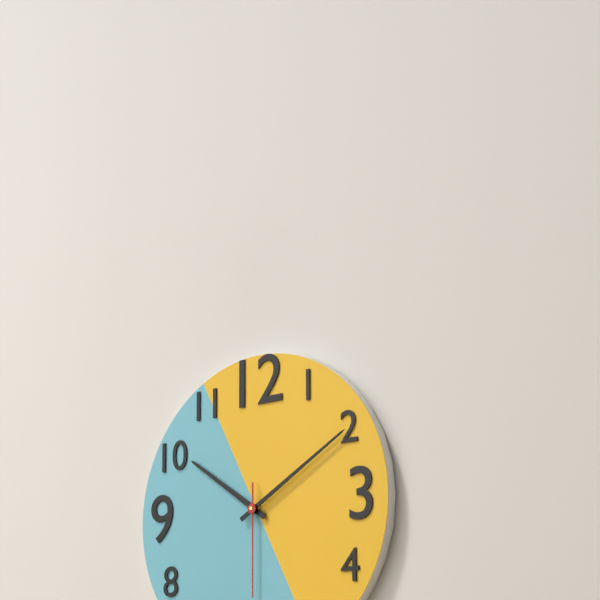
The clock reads {"hour": 10, "minute": 10, "second": 30}
